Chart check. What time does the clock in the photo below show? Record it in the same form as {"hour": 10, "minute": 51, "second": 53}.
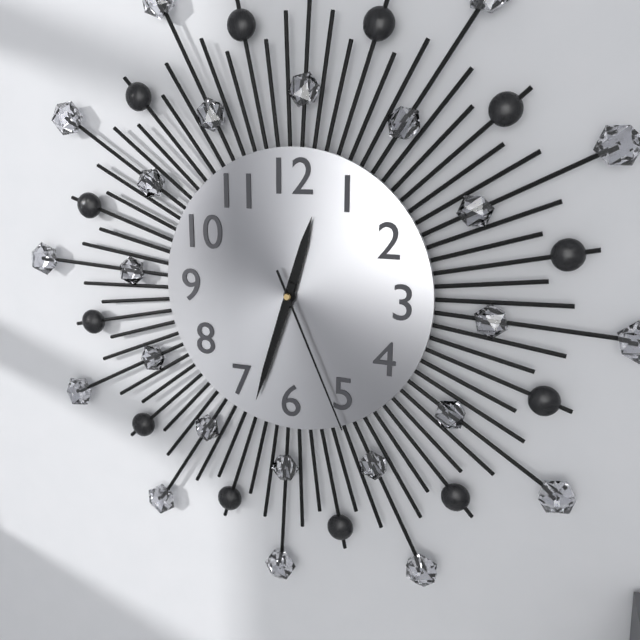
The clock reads {"hour": 12, "minute": 33, "second": 26}
